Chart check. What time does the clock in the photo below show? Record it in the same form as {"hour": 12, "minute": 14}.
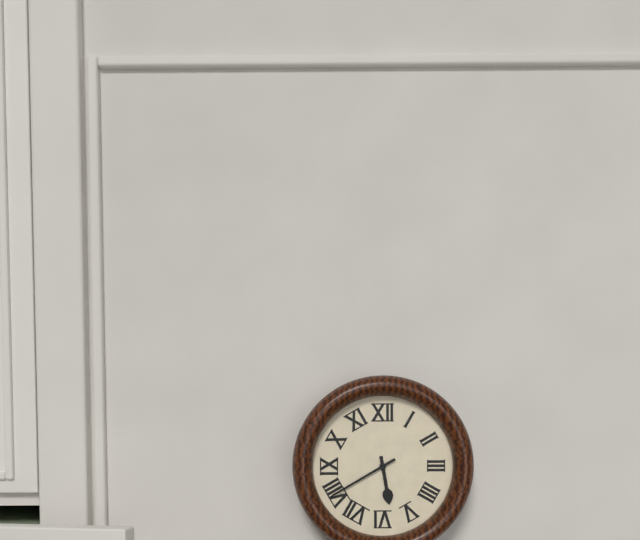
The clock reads {"hour": 5, "minute": 40}
